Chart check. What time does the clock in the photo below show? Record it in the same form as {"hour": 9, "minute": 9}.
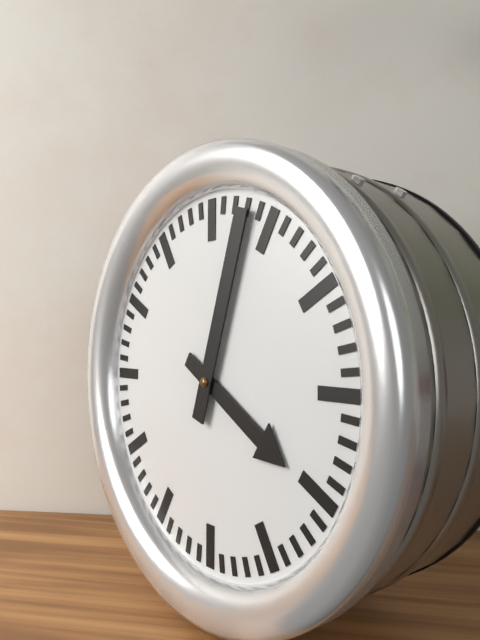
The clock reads {"hour": 4, "minute": 3}
